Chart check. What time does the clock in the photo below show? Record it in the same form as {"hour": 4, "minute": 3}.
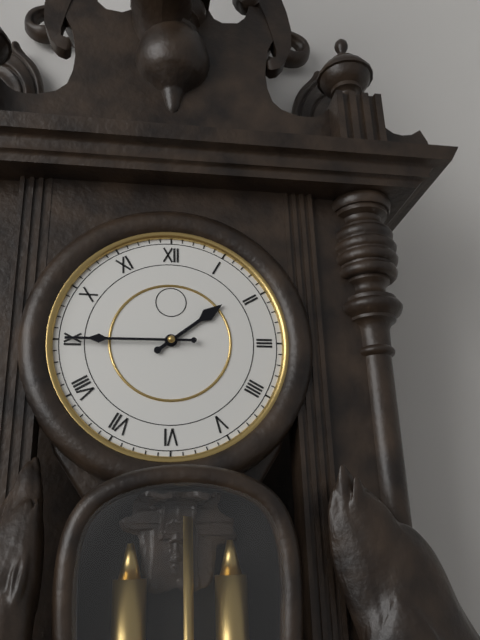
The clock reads {"hour": 1, "minute": 45}
